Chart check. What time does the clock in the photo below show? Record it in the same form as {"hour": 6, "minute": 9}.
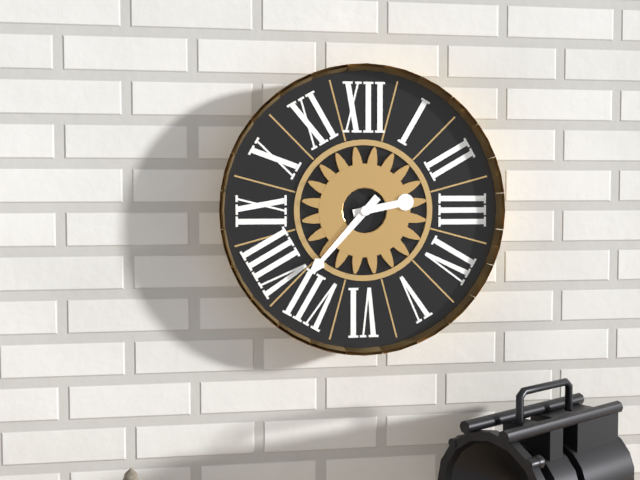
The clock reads {"hour": 2, "minute": 37}
